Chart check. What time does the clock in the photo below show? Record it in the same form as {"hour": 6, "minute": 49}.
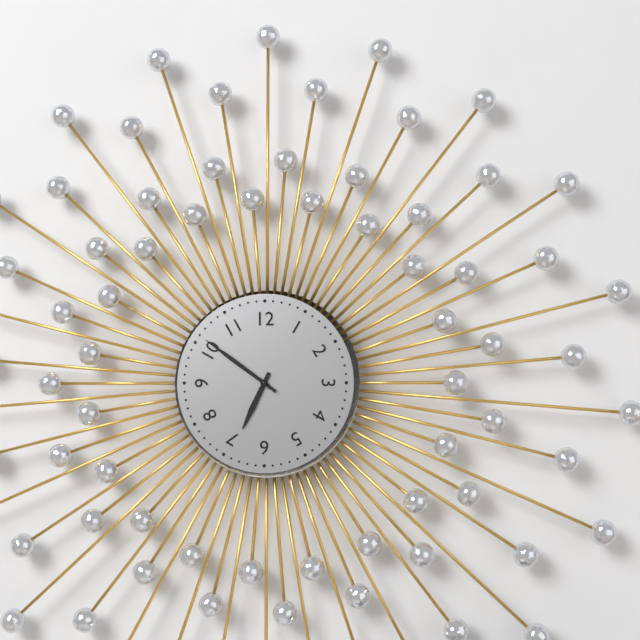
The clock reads {"hour": 6, "minute": 51}
